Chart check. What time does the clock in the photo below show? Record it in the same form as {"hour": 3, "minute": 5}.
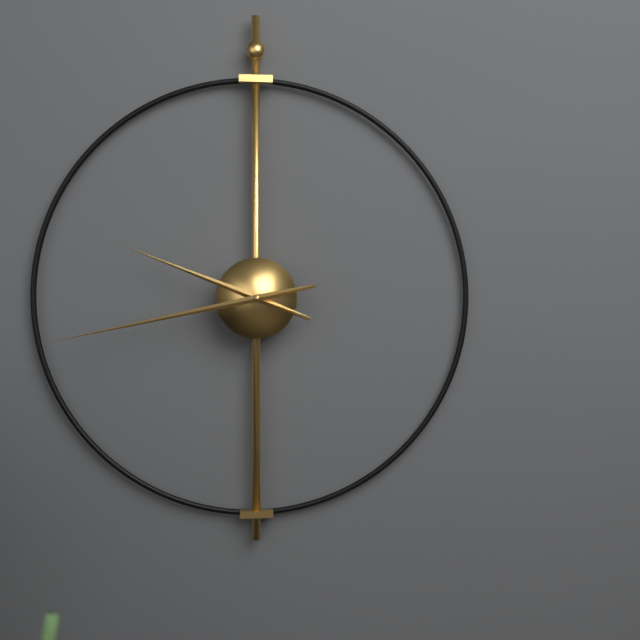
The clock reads {"hour": 9, "minute": 43}
